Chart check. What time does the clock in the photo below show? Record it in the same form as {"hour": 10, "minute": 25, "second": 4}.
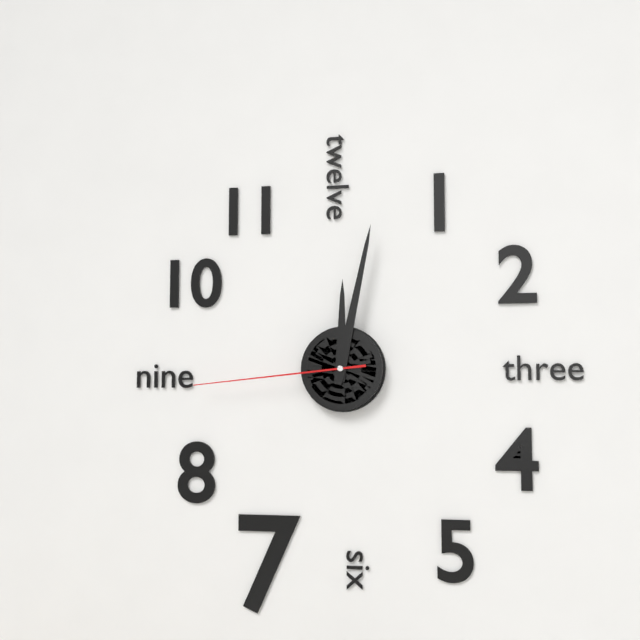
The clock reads {"hour": 12, "minute": 2, "second": 44}
